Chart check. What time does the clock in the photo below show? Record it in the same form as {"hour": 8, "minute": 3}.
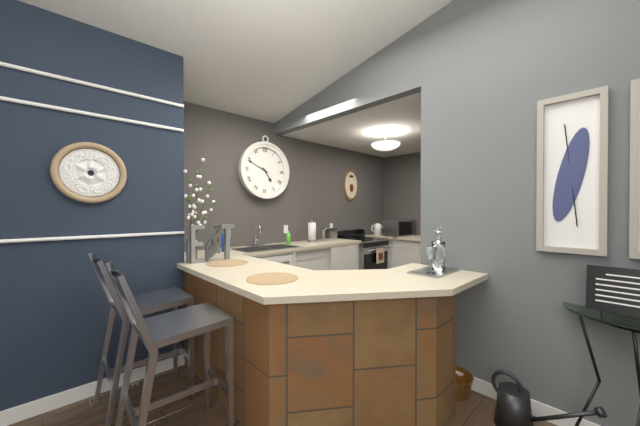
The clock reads {"hour": 4, "minute": 49}
